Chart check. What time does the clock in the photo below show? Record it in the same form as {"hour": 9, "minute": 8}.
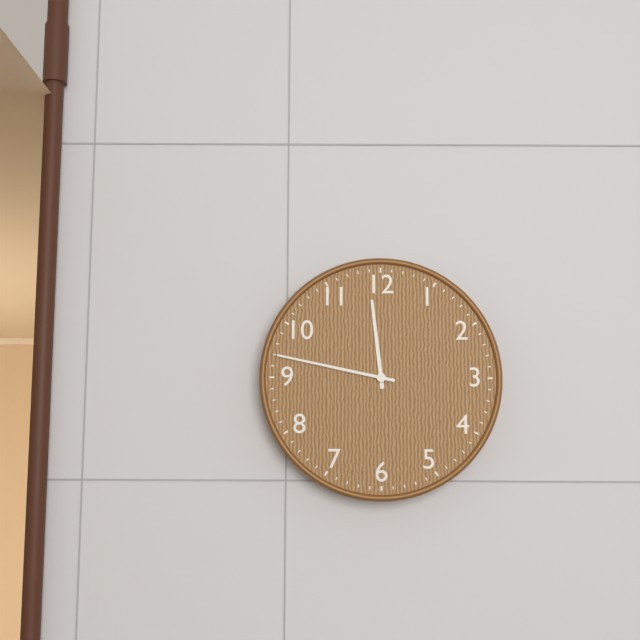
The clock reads {"hour": 11, "minute": 47}
